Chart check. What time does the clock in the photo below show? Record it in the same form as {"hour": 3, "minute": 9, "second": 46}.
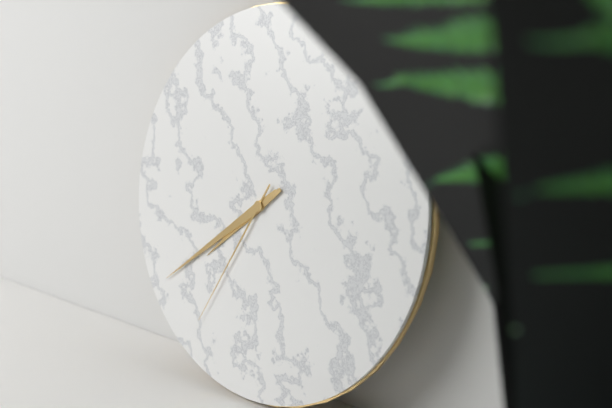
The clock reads {"hour": 7, "minute": 39, "second": 35}
